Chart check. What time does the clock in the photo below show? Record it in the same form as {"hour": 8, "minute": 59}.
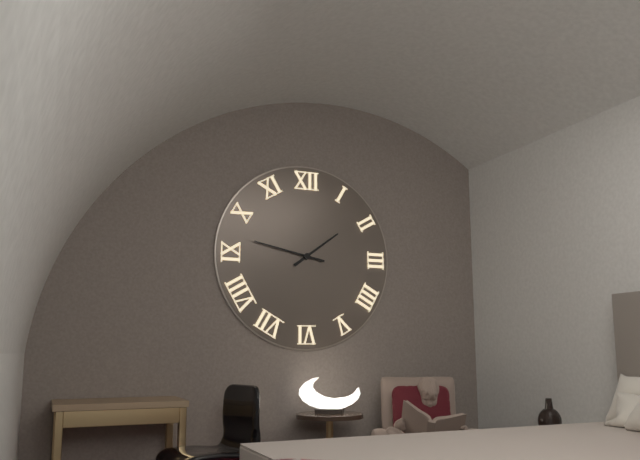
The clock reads {"hour": 1, "minute": 47}
